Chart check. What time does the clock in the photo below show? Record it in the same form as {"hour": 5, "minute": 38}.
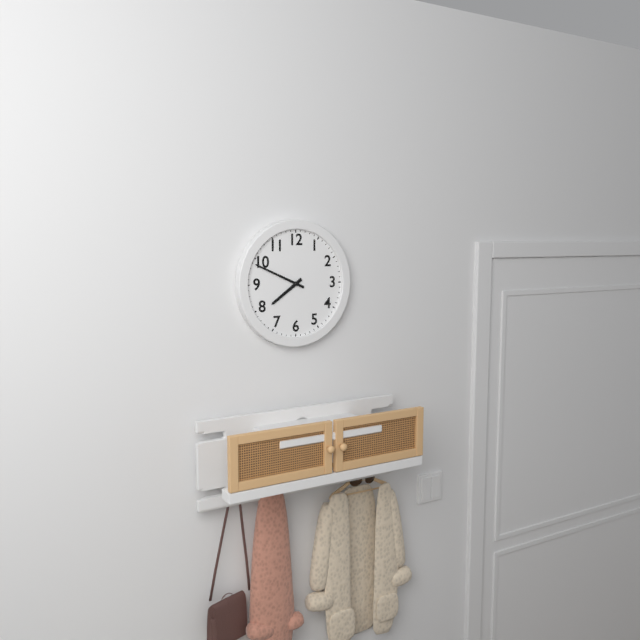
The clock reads {"hour": 7, "minute": 49}
